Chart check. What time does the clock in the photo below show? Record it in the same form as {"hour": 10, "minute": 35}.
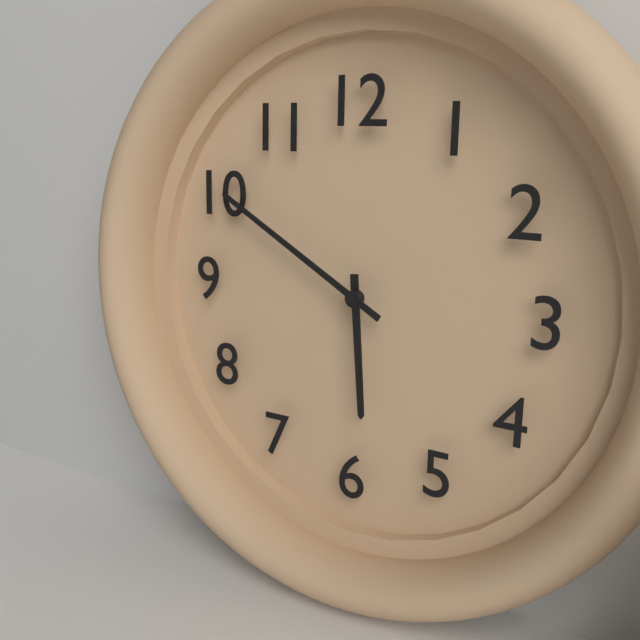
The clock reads {"hour": 5, "minute": 50}
